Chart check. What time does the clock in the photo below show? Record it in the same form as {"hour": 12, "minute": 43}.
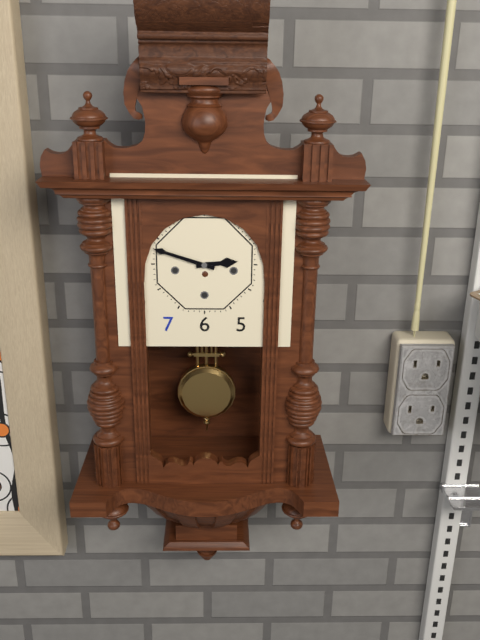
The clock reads {"hour": 2, "minute": 48}
